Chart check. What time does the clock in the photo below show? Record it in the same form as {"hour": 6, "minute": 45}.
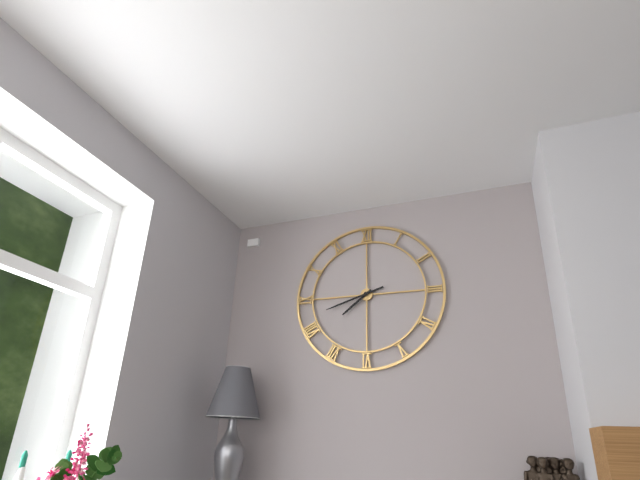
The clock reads {"hour": 7, "minute": 42}
